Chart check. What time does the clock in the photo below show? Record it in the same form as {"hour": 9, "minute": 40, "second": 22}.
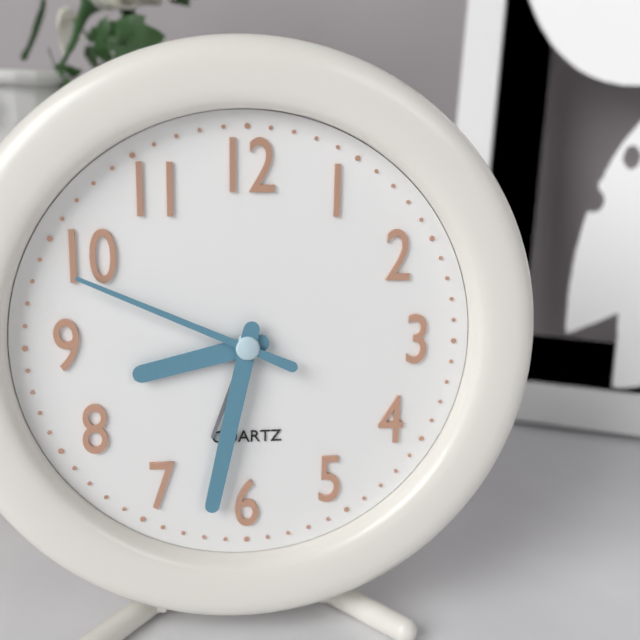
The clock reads {"hour": 8, "minute": 32, "second": 49}
